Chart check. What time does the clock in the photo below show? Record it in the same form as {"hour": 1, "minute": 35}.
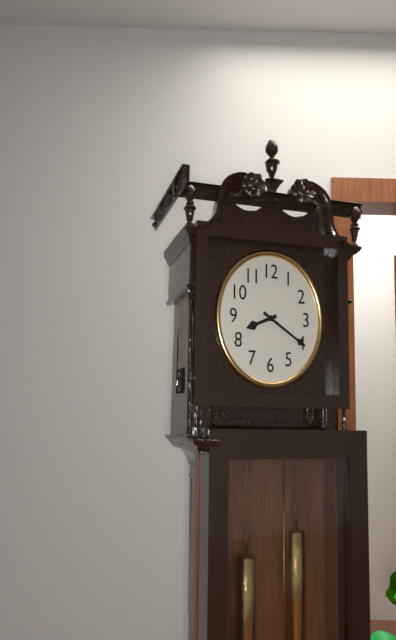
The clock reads {"hour": 8, "minute": 20}
